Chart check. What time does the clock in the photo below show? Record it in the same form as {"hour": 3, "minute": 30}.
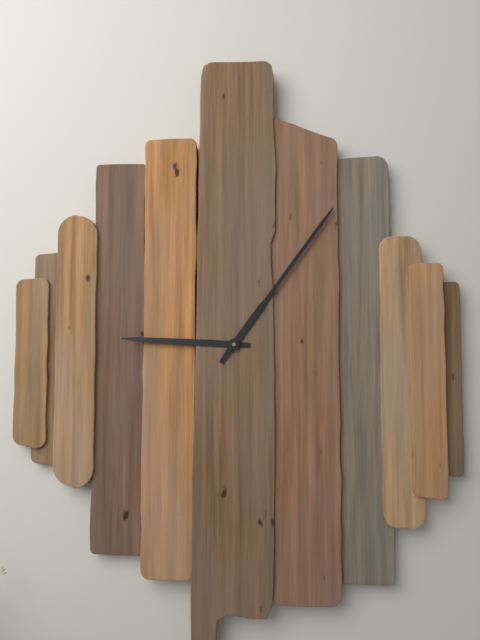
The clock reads {"hour": 9, "minute": 6}
